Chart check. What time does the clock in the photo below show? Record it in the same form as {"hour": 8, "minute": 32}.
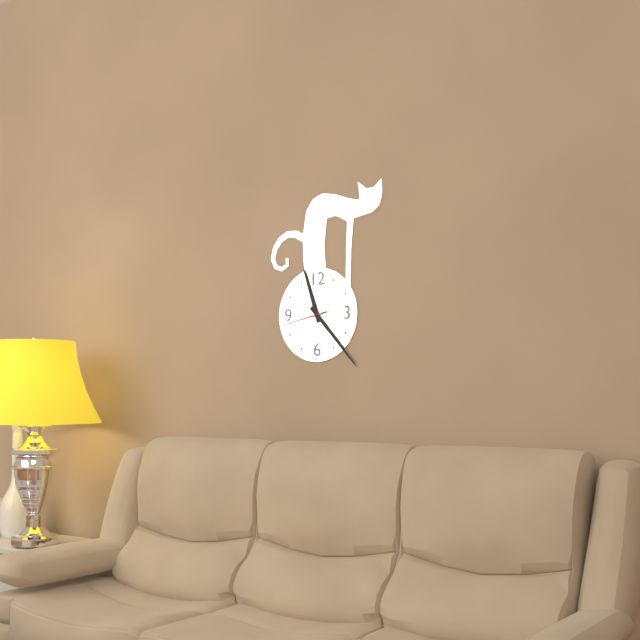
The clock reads {"hour": 11, "minute": 23}
